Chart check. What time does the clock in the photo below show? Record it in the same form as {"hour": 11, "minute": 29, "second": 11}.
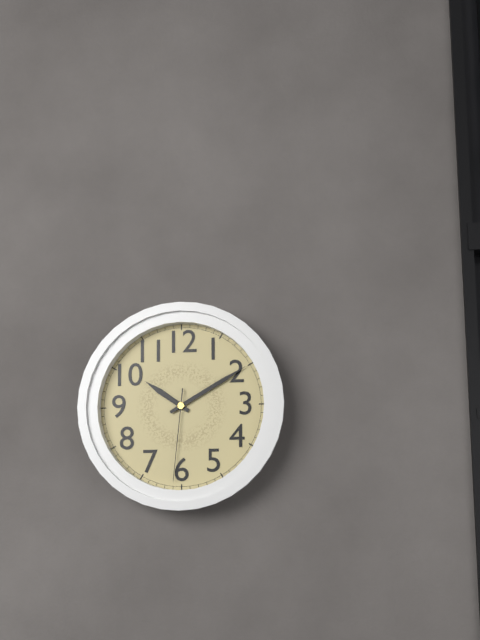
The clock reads {"hour": 10, "minute": 10, "second": 31}
